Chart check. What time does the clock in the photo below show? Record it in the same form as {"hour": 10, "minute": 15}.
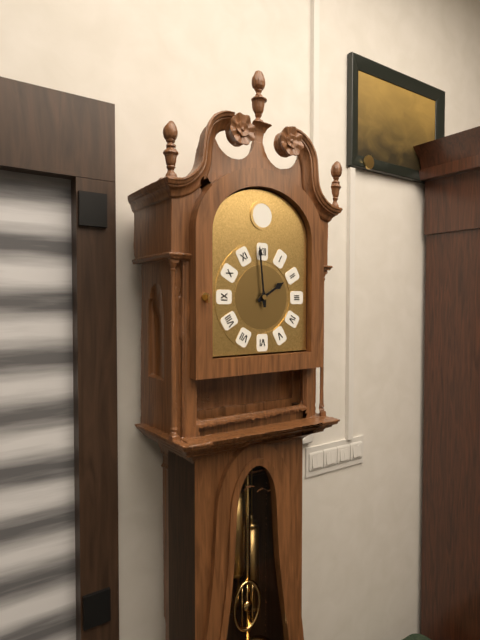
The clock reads {"hour": 1, "minute": 59}
